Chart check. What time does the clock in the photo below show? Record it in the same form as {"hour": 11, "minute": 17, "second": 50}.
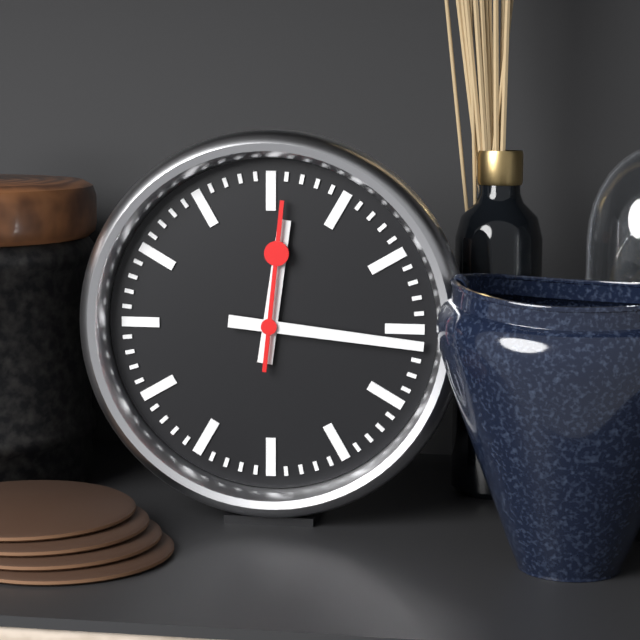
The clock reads {"hour": 12, "minute": 16, "second": 1}
